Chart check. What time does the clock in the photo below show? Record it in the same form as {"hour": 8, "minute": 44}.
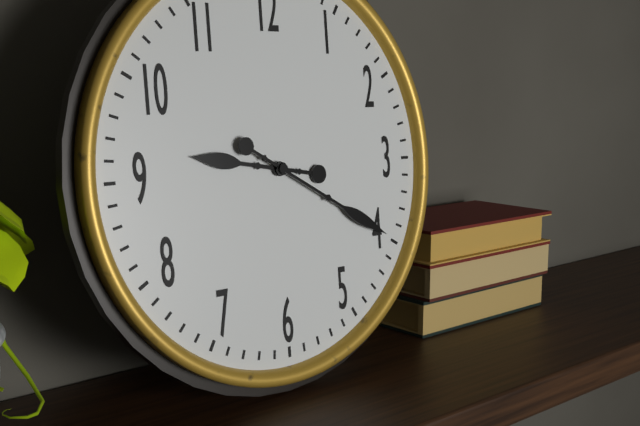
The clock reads {"hour": 9, "minute": 20}
